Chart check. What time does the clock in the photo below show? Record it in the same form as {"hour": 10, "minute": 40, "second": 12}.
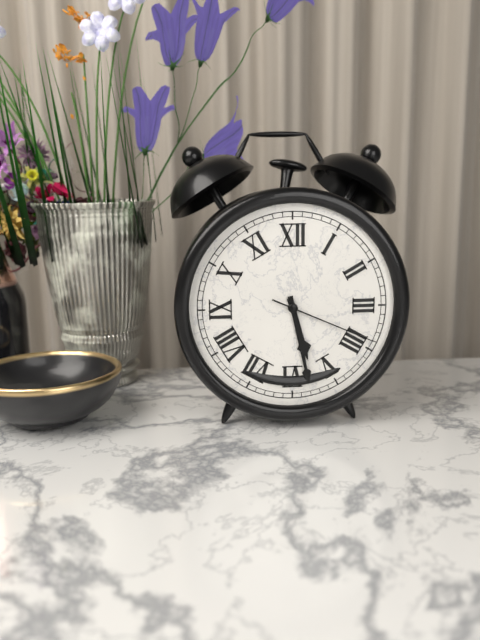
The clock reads {"hour": 5, "minute": 28, "second": 19}
